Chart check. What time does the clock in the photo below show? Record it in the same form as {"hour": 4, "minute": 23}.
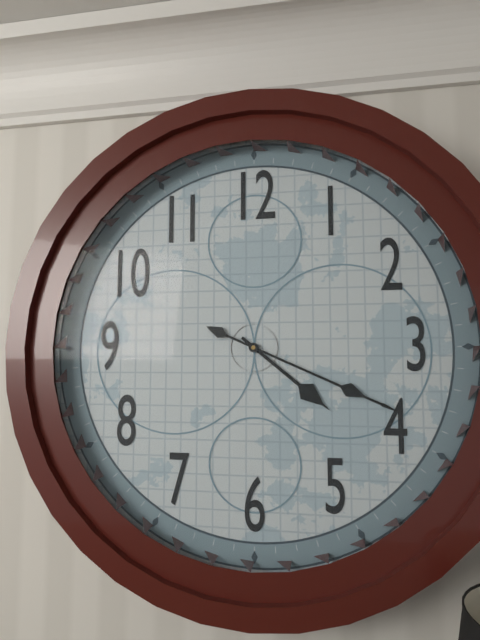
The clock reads {"hour": 4, "minute": 19}
